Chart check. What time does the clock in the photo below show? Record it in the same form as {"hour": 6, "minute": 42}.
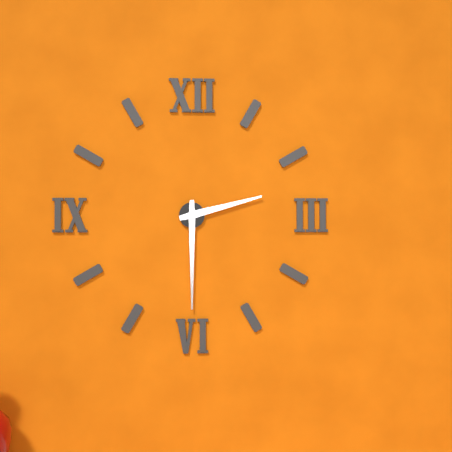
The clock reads {"hour": 2, "minute": 30}
